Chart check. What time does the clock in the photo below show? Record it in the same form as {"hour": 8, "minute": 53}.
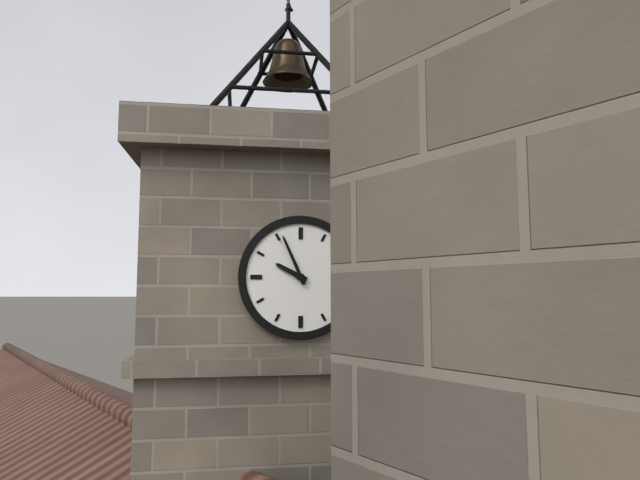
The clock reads {"hour": 9, "minute": 56}
